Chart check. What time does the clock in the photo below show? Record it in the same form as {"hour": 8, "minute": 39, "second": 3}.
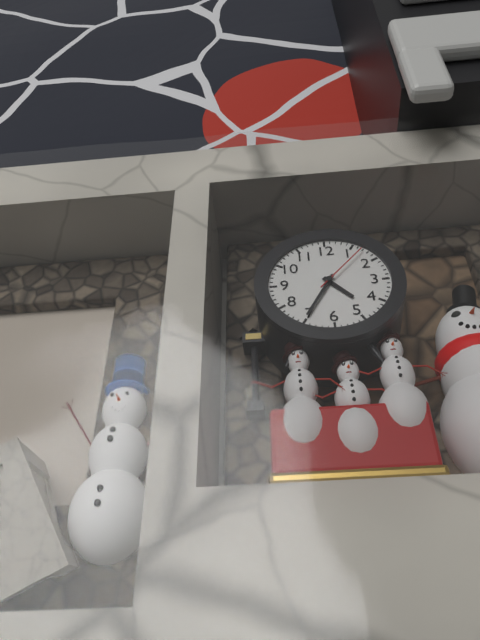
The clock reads {"hour": 4, "minute": 35, "second": 7}
